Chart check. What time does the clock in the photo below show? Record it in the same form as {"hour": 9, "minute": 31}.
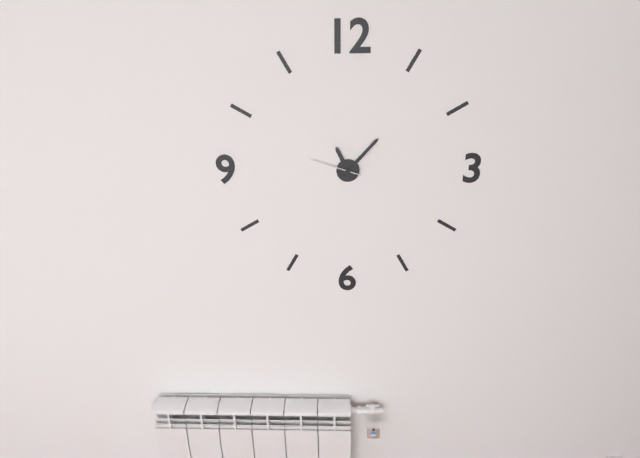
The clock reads {"hour": 11, "minute": 7}
